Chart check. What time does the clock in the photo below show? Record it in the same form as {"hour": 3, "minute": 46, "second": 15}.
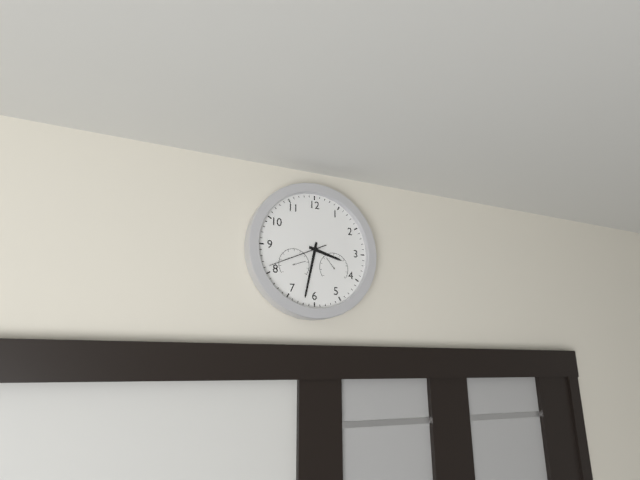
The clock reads {"hour": 3, "minute": 32, "second": 41}
